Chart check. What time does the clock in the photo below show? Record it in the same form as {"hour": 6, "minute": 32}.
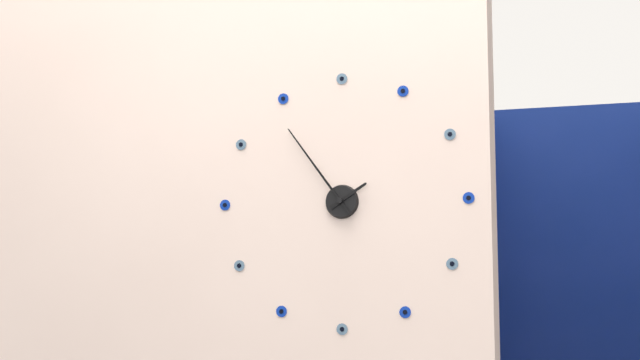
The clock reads {"hour": 1, "minute": 54}
